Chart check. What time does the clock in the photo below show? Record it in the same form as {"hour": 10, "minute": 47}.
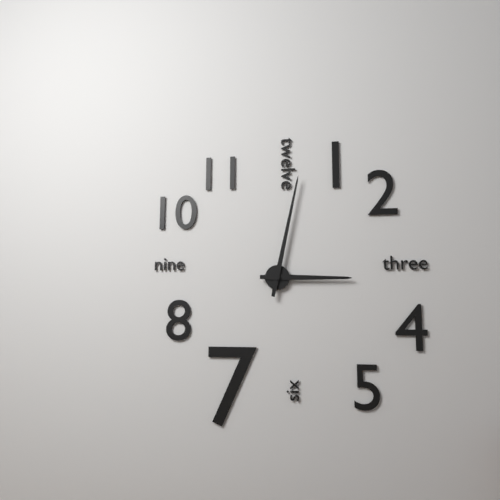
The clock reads {"hour": 3, "minute": 2}
